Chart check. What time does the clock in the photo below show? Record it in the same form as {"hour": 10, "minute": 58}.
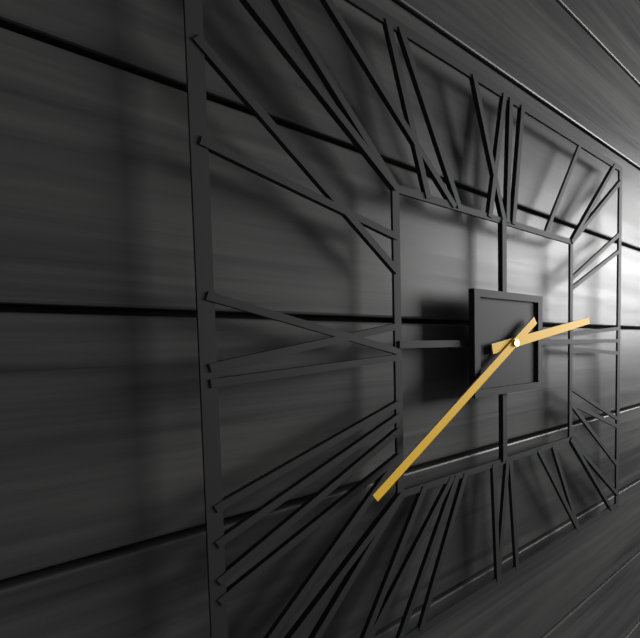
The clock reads {"hour": 2, "minute": 39}
